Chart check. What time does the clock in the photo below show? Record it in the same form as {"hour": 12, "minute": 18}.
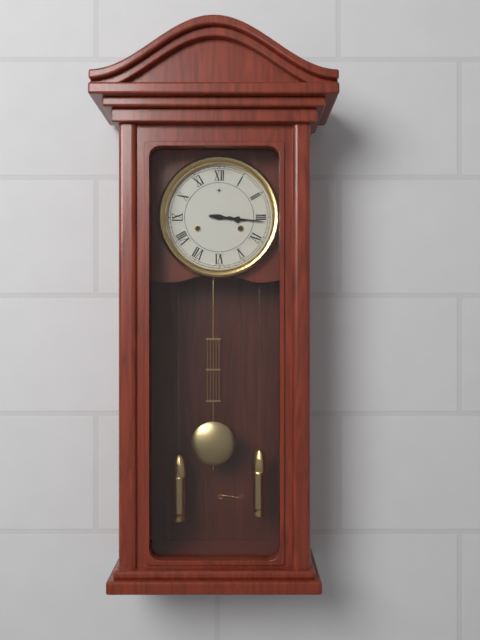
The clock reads {"hour": 3, "minute": 16}
